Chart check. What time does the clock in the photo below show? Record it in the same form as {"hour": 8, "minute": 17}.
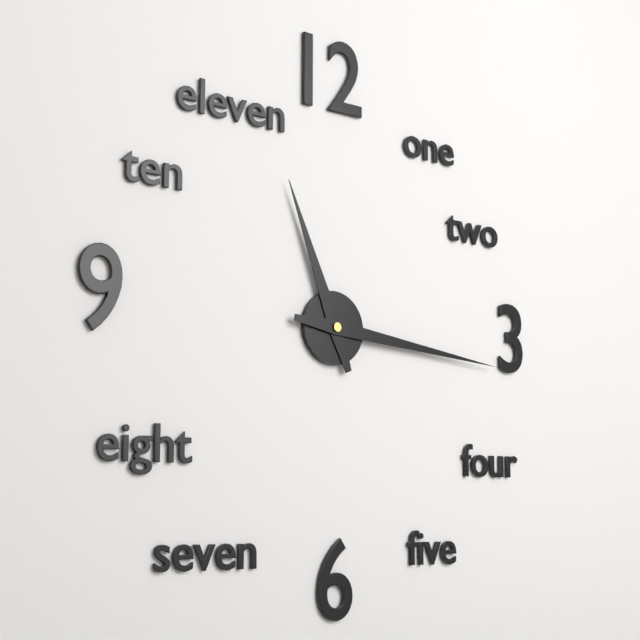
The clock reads {"hour": 11, "minute": 16}
